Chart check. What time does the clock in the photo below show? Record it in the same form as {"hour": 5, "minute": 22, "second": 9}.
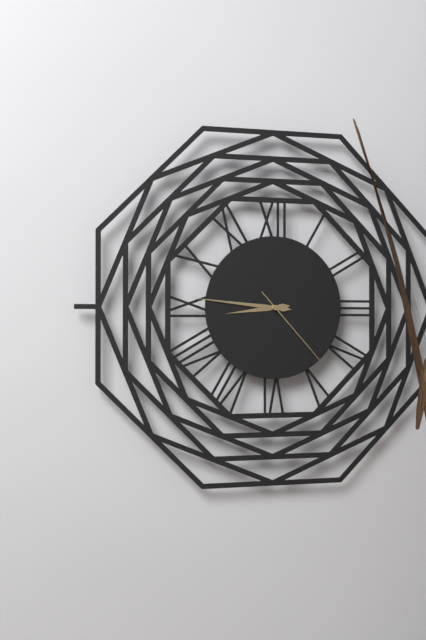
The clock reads {"hour": 8, "minute": 46, "second": 23}
